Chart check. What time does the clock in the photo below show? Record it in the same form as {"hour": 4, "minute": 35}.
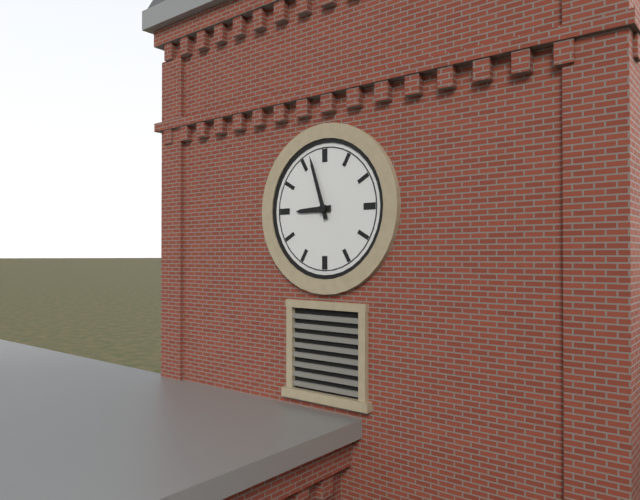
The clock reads {"hour": 8, "minute": 57}
